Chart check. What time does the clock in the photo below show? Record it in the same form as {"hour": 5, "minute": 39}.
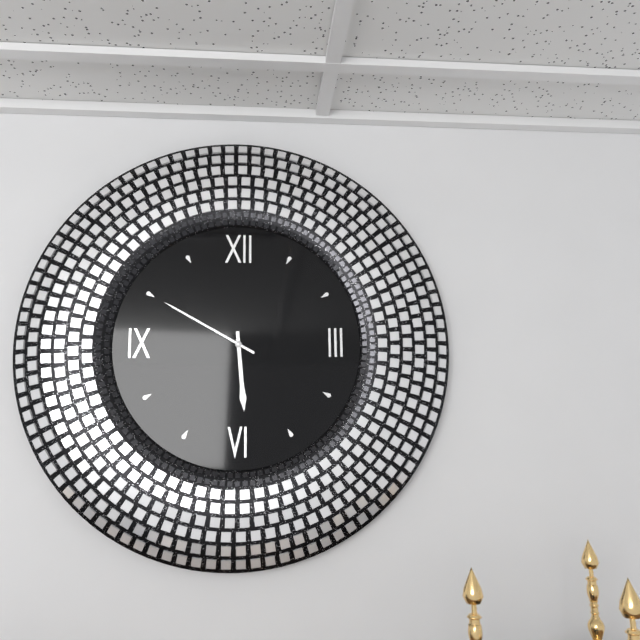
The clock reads {"hour": 5, "minute": 50}
